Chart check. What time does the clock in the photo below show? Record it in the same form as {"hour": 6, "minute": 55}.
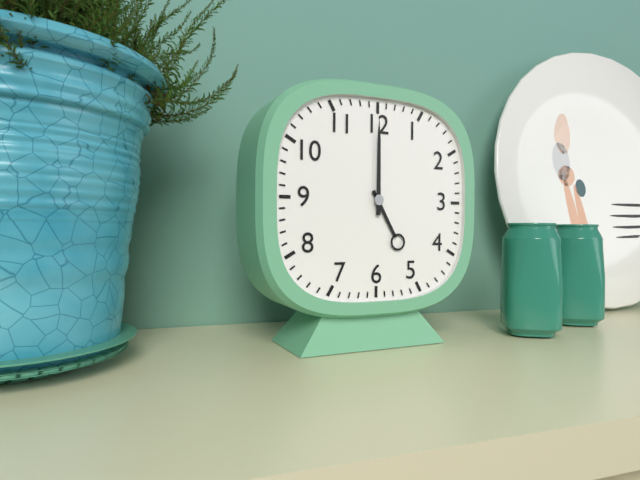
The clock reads {"hour": 5, "minute": 0}
